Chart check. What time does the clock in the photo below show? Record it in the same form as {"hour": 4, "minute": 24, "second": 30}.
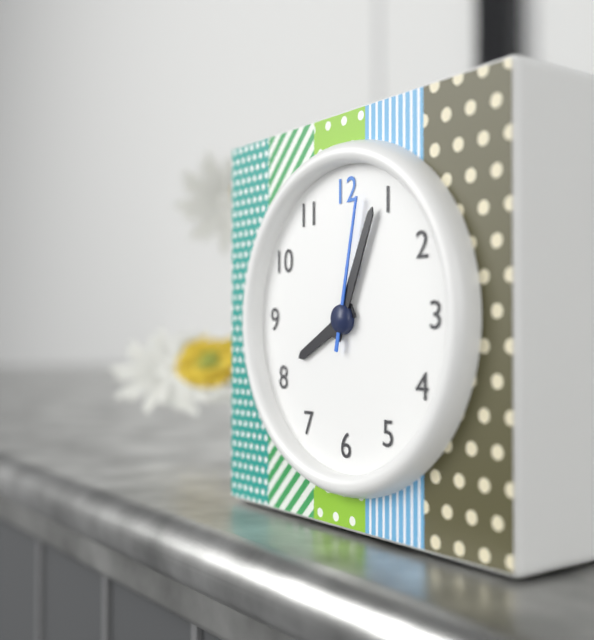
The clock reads {"hour": 8, "minute": 4, "second": 2}
